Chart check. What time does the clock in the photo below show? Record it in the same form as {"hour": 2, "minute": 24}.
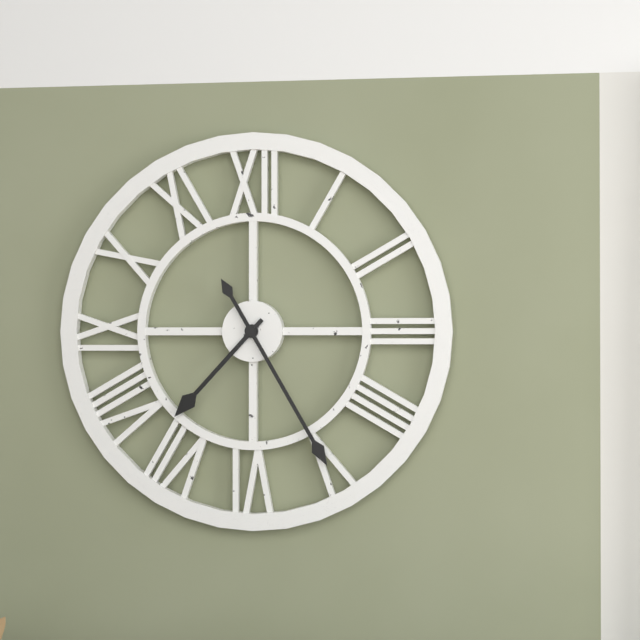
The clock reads {"hour": 7, "minute": 25}
